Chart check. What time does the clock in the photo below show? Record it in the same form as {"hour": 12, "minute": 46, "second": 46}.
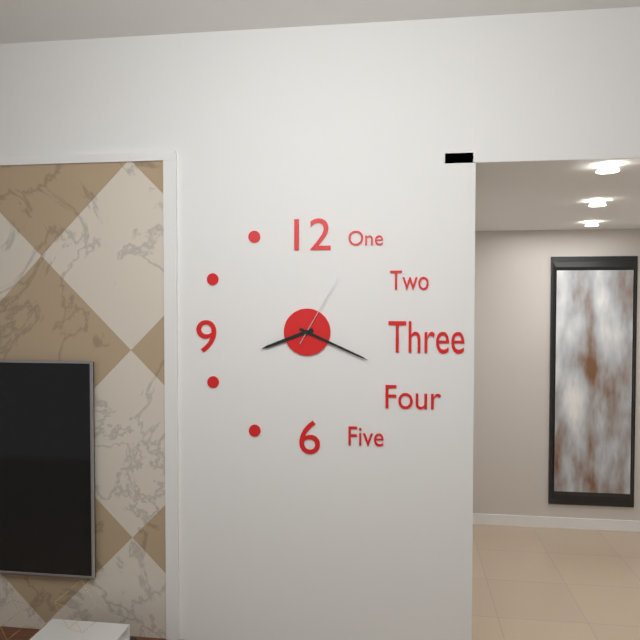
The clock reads {"hour": 8, "minute": 19, "second": 5}
